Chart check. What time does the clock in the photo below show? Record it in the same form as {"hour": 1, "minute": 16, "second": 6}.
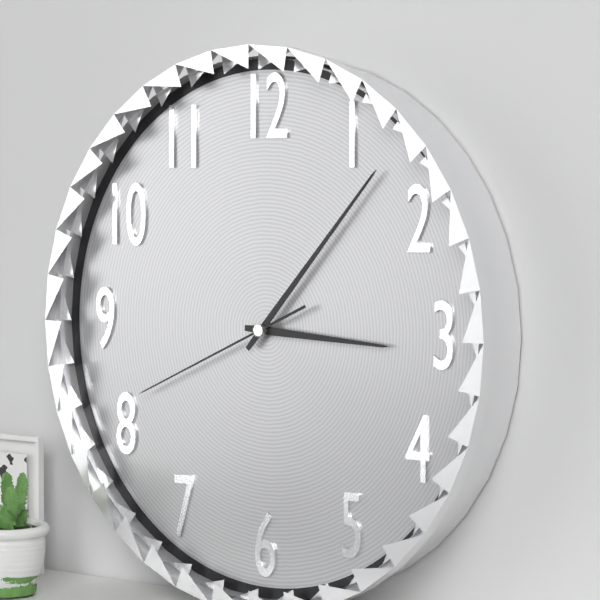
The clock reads {"hour": 3, "minute": 7, "second": 41}
